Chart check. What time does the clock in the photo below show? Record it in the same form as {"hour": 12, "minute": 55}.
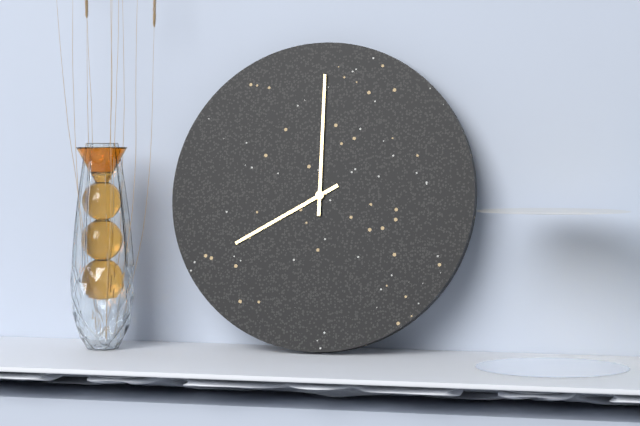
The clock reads {"hour": 8, "minute": 0}
